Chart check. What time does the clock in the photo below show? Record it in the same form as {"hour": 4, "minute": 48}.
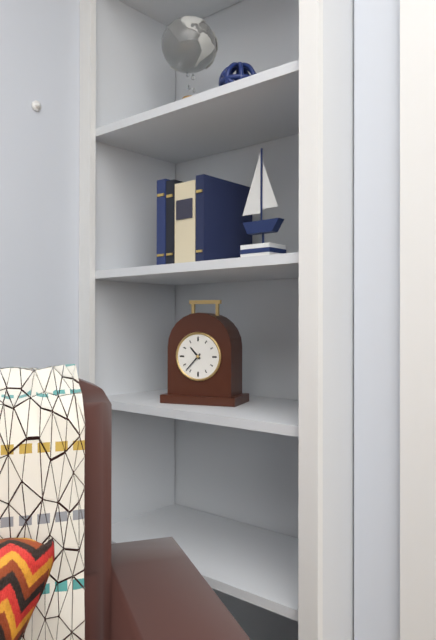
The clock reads {"hour": 10, "minute": 37}
